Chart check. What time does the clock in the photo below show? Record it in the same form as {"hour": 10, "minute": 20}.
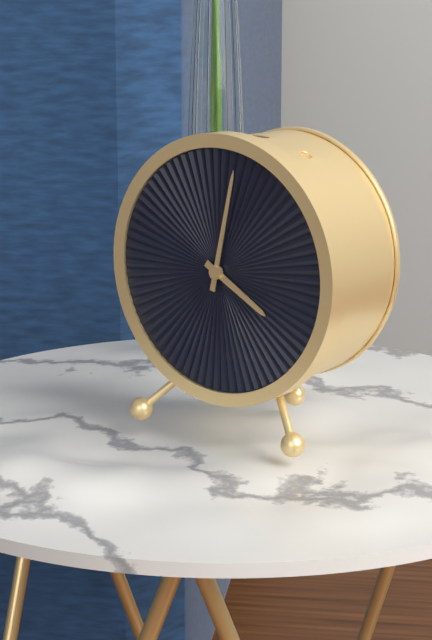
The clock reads {"hour": 4, "minute": 2}
